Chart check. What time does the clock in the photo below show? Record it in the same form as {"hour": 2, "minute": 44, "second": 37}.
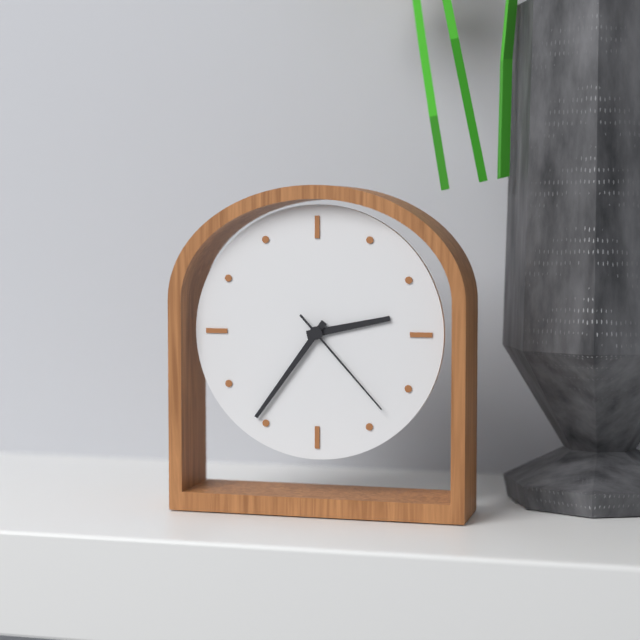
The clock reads {"hour": 2, "minute": 36, "second": 23}
